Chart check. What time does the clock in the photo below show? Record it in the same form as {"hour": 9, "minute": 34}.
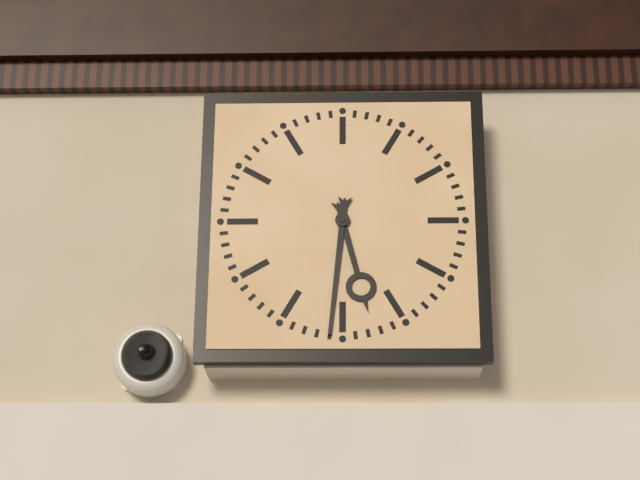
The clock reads {"hour": 5, "minute": 31}
